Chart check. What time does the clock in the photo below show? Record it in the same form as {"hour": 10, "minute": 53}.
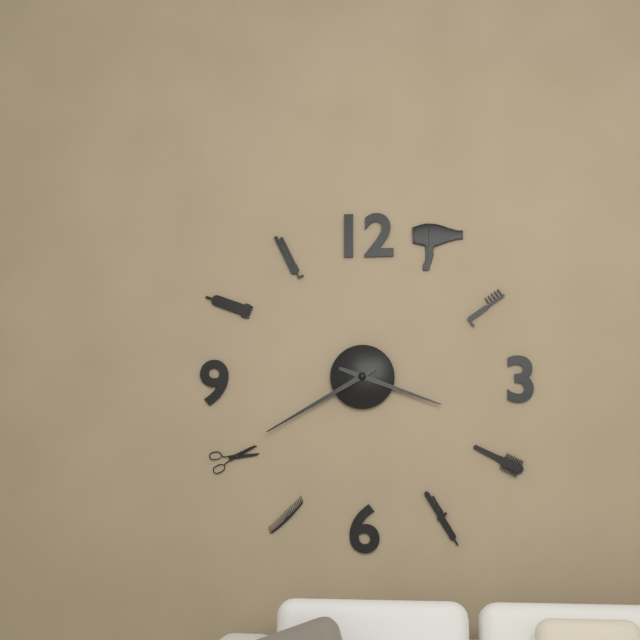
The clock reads {"hour": 3, "minute": 40}
